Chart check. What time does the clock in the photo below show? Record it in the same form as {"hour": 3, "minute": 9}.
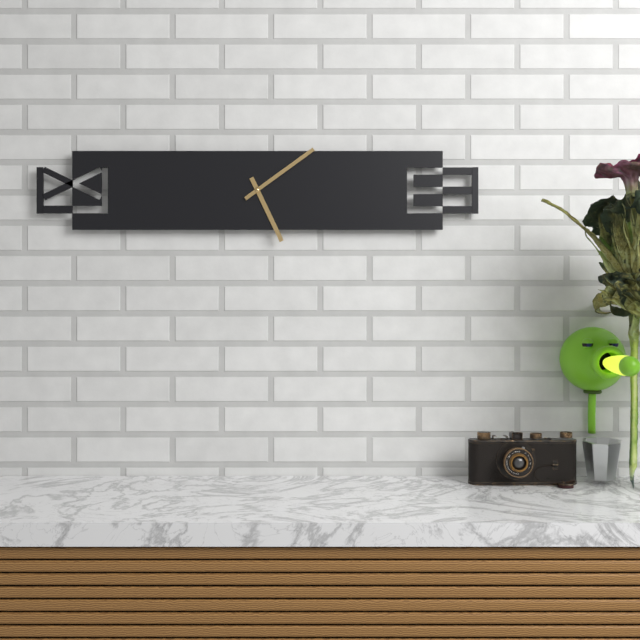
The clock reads {"hour": 5, "minute": 9}
